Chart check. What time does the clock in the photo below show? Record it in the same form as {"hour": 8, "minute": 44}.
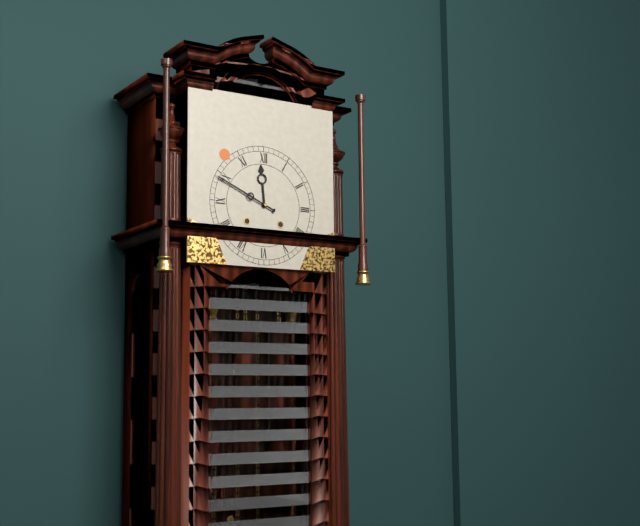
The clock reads {"hour": 11, "minute": 49}
